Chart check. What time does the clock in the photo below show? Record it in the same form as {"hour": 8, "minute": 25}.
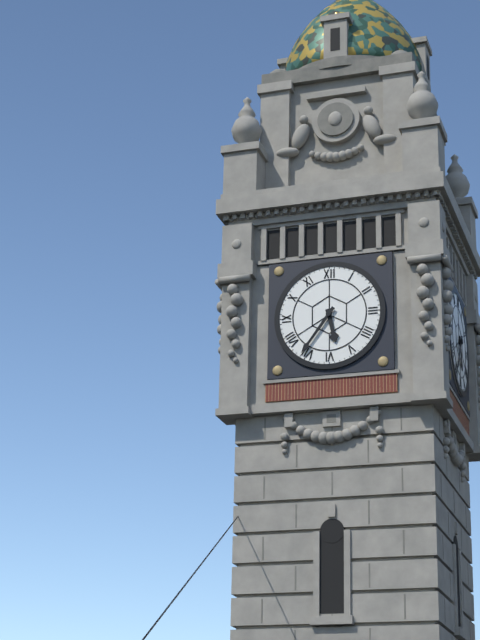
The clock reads {"hour": 5, "minute": 36}
